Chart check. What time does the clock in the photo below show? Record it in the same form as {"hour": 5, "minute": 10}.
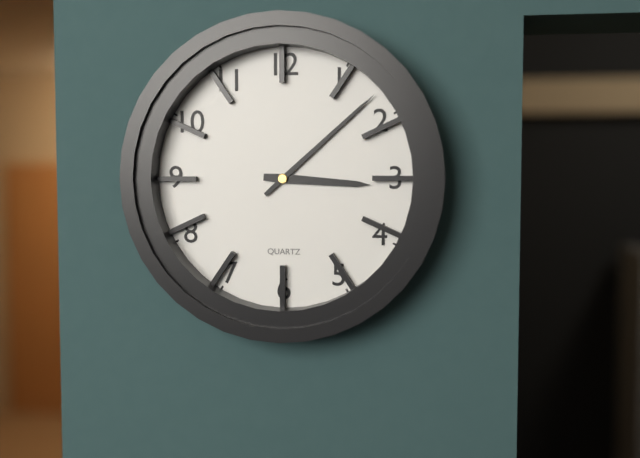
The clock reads {"hour": 3, "minute": 8}
